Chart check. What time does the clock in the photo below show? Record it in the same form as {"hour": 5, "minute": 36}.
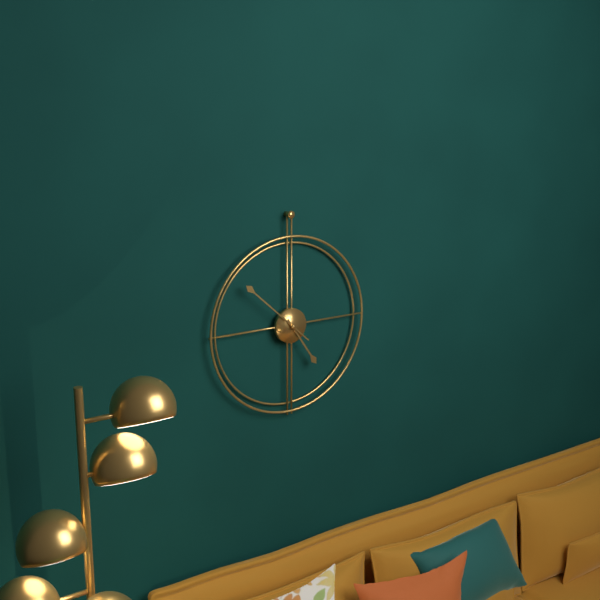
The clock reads {"hour": 4, "minute": 52}
